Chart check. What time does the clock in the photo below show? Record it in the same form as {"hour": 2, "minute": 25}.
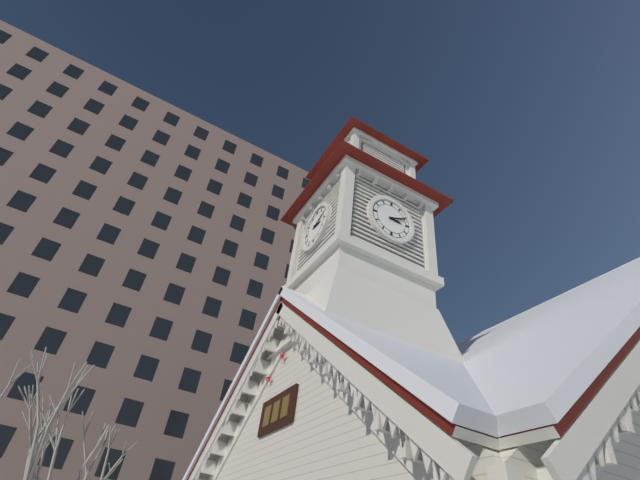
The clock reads {"hour": 3, "minute": 11}
